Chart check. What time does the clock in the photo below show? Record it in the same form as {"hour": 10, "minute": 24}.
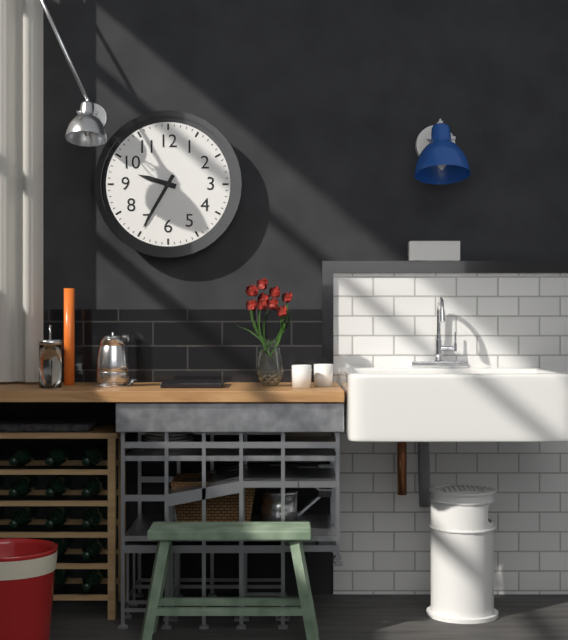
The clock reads {"hour": 9, "minute": 35}
